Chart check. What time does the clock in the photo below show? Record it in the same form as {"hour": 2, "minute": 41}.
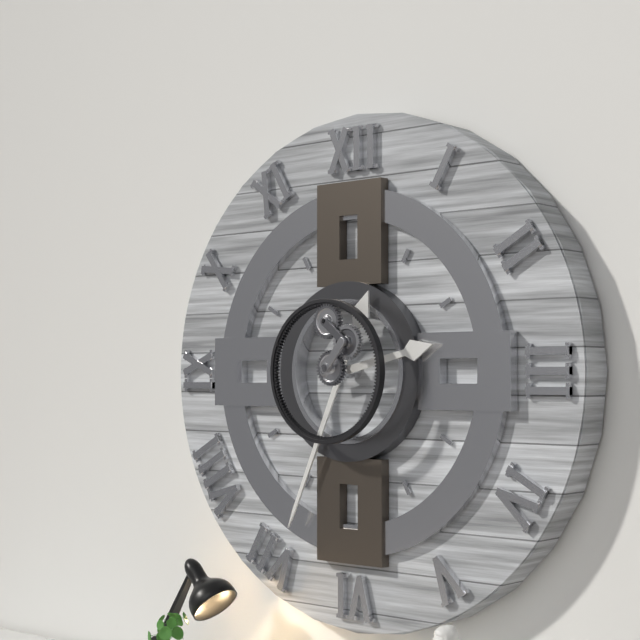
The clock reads {"hour": 2, "minute": 34}
